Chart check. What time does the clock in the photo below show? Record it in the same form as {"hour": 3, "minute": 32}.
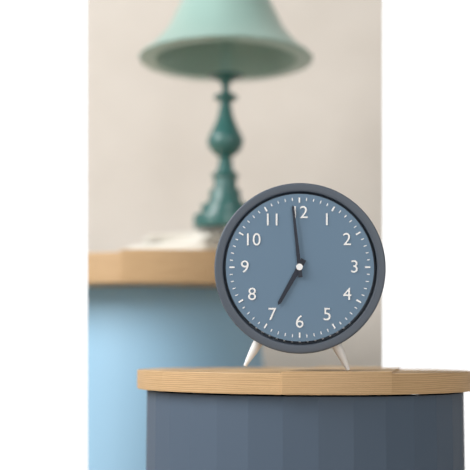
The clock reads {"hour": 6, "minute": 59}
